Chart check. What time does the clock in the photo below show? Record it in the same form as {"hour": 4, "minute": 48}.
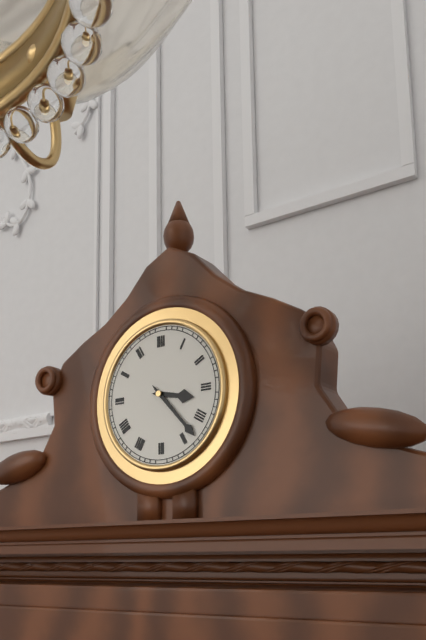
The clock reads {"hour": 3, "minute": 23}
